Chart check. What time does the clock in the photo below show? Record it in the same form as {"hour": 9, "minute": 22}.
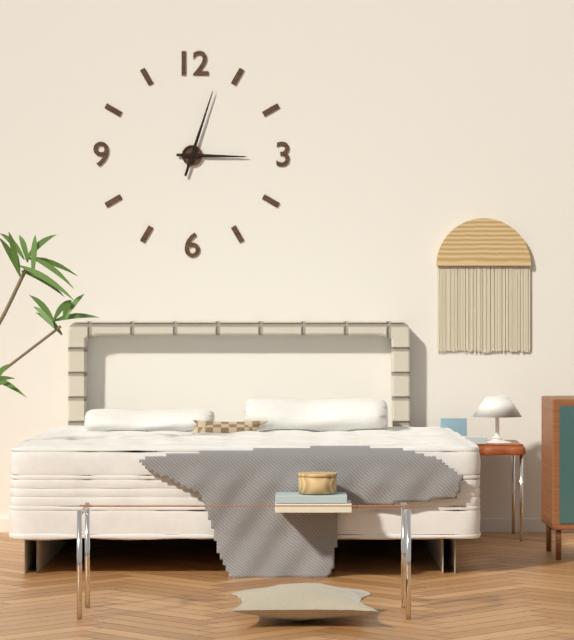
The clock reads {"hour": 3, "minute": 3}
